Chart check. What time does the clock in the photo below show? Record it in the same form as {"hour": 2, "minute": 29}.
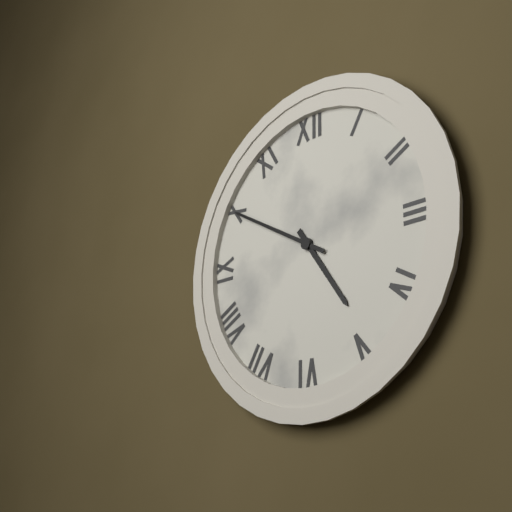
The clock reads {"hour": 4, "minute": 50}
